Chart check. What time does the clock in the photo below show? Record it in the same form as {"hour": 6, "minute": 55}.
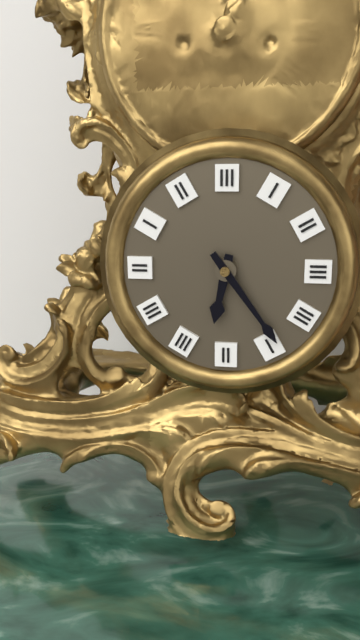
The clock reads {"hour": 6, "minute": 24}
